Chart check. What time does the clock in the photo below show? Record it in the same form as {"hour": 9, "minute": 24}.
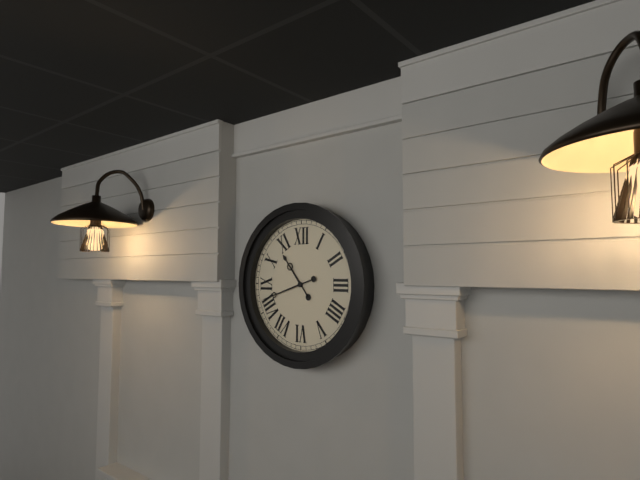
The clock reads {"hour": 10, "minute": 42}
